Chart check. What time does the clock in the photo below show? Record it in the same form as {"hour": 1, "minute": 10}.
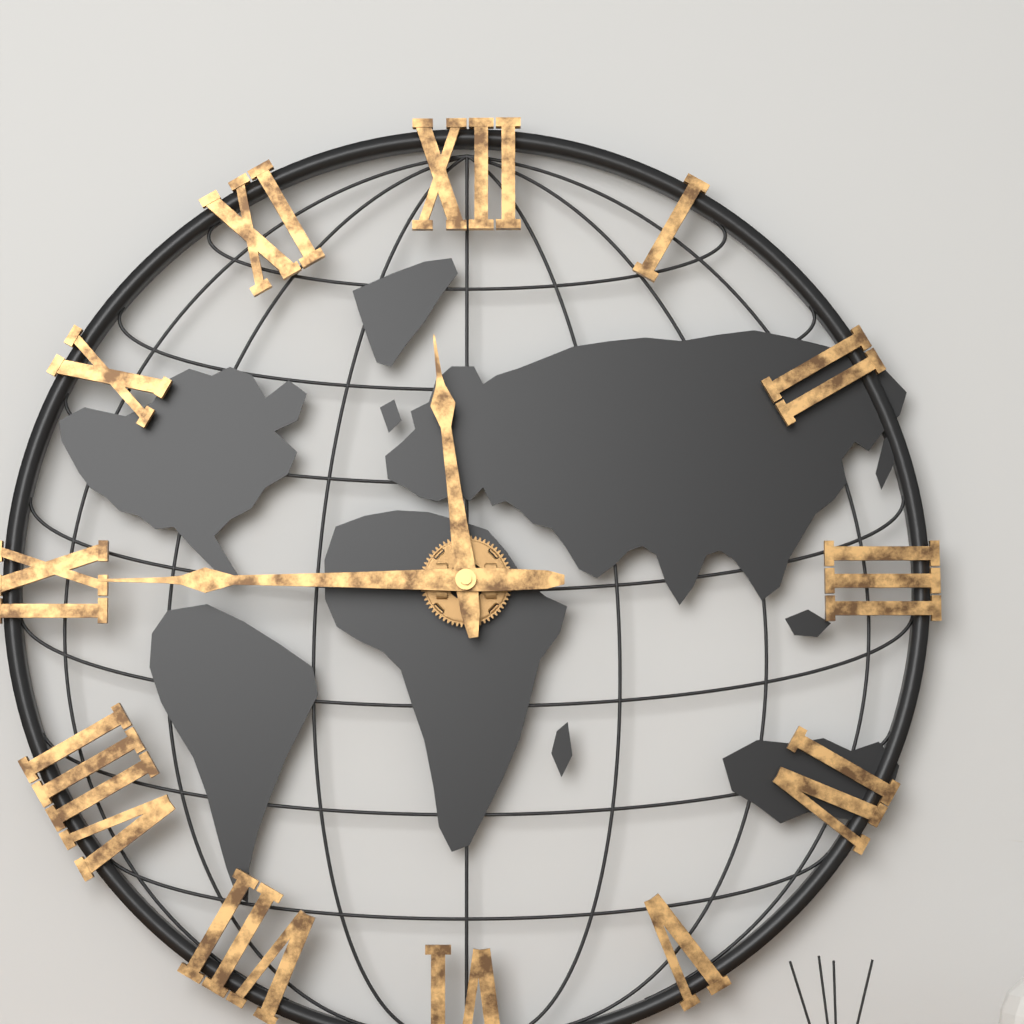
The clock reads {"hour": 11, "minute": 45}
